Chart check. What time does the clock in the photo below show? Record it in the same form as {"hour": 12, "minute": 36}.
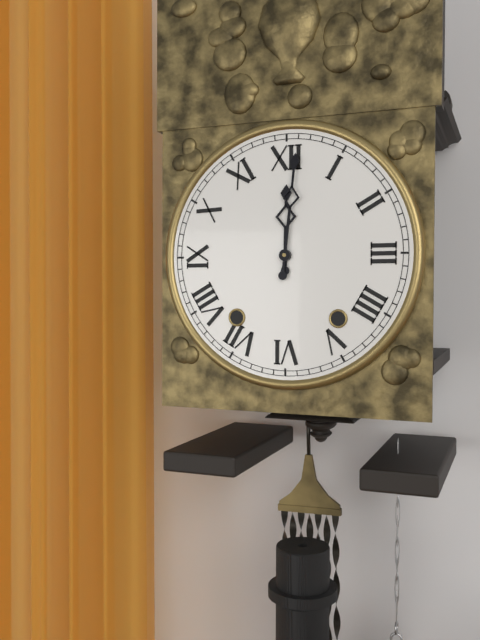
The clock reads {"hour": 12, "minute": 1}
